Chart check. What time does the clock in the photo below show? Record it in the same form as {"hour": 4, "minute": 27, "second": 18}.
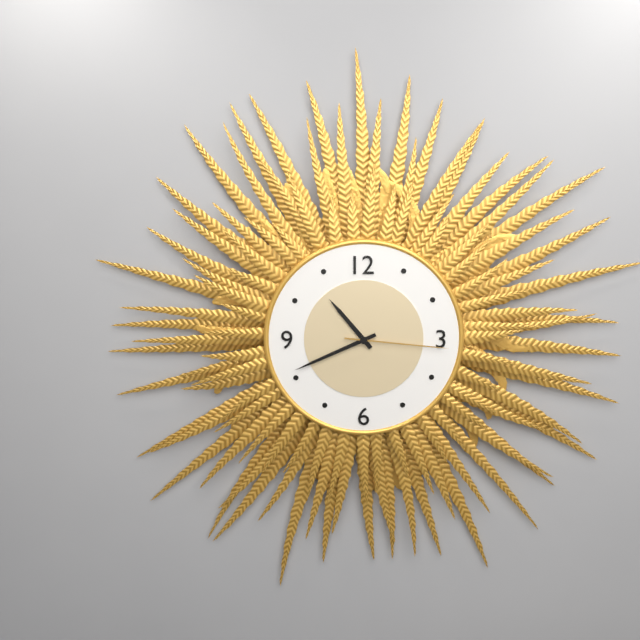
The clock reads {"hour": 10, "minute": 41, "second": 16}
